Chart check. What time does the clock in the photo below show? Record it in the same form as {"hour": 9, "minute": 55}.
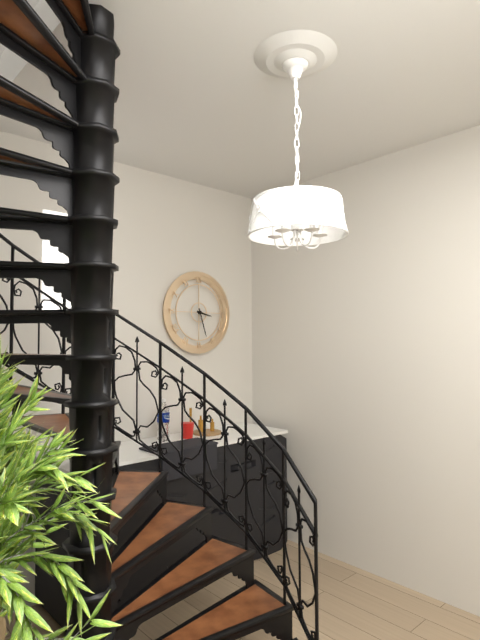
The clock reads {"hour": 3, "minute": 27}
